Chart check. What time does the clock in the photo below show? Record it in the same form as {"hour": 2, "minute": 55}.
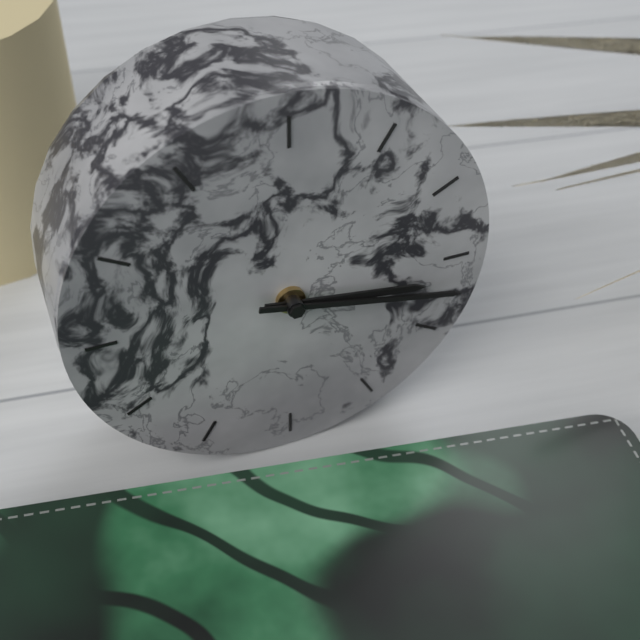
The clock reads {"hour": 3, "minute": 17}
